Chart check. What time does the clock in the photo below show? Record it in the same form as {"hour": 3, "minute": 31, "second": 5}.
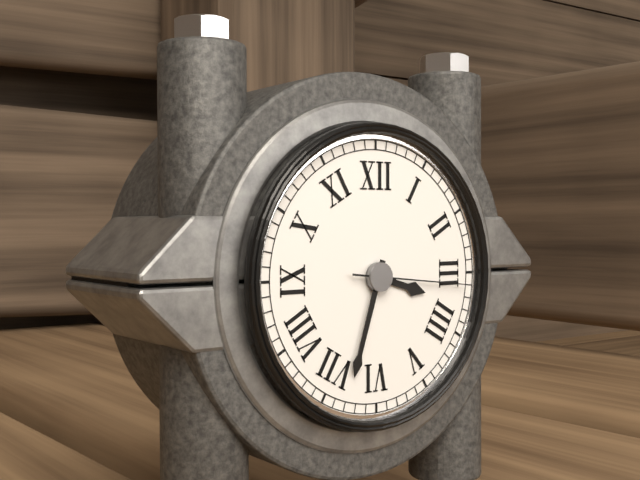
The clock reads {"hour": 3, "minute": 33, "second": 16}
